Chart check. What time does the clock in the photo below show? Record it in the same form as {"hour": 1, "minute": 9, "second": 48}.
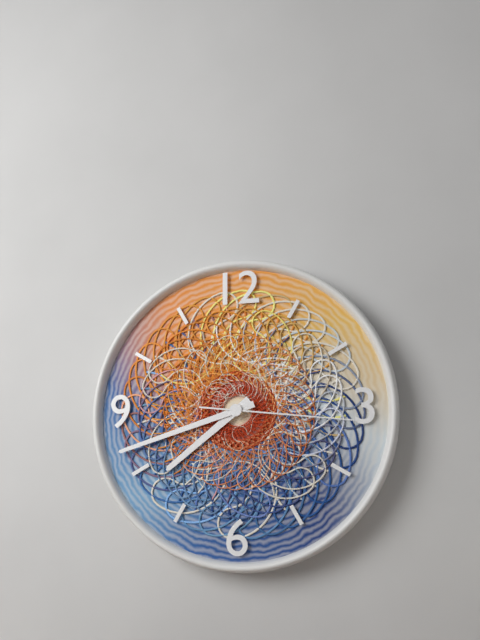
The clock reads {"hour": 7, "minute": 42, "second": 16}
